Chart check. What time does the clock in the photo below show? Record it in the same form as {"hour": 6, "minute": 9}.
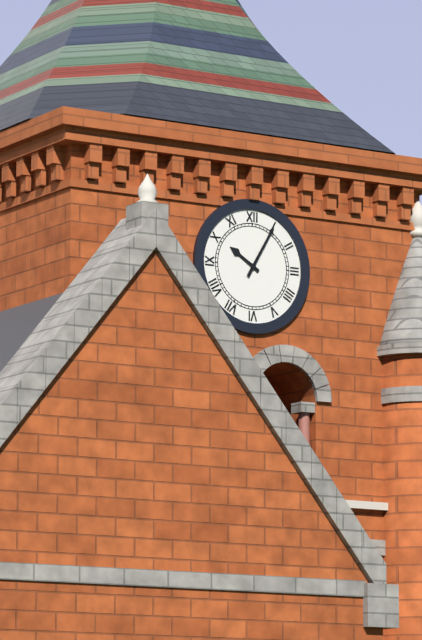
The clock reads {"hour": 10, "minute": 5}
